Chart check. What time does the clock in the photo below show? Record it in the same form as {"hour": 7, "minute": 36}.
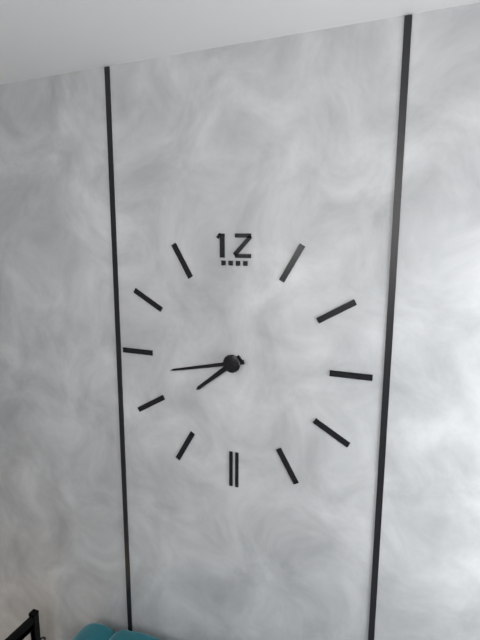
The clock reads {"hour": 7, "minute": 43}
